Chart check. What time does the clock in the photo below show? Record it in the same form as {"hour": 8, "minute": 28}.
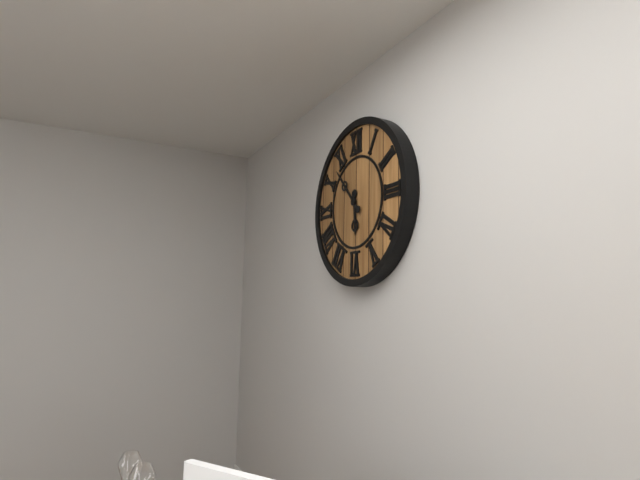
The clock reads {"hour": 5, "minute": 53}
